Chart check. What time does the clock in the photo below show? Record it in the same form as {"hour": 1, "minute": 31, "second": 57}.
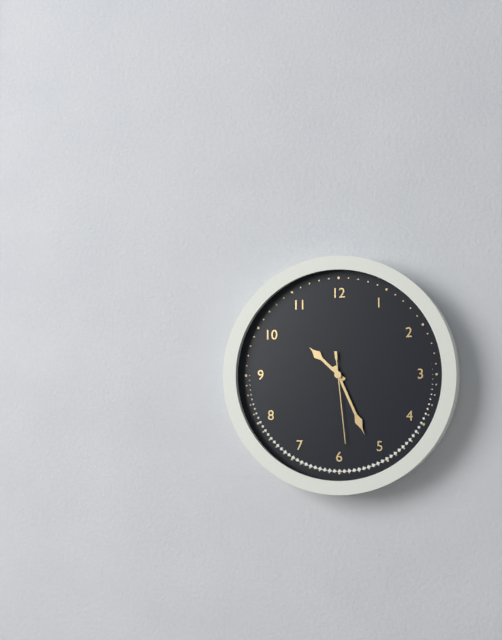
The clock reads {"hour": 10, "minute": 26, "second": 29}
